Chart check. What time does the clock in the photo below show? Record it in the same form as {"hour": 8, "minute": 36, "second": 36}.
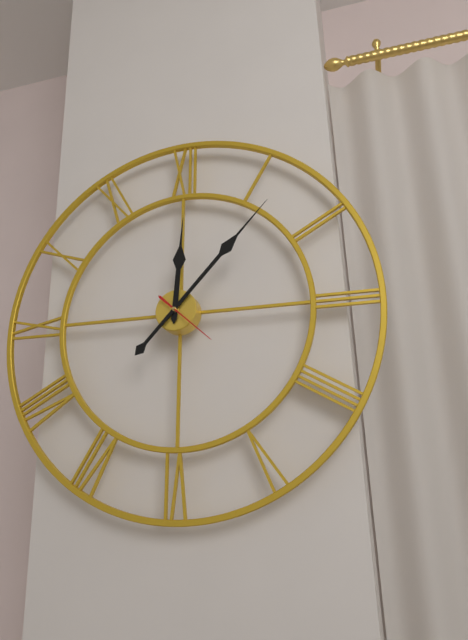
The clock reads {"hour": 12, "minute": 7, "second": 22}
